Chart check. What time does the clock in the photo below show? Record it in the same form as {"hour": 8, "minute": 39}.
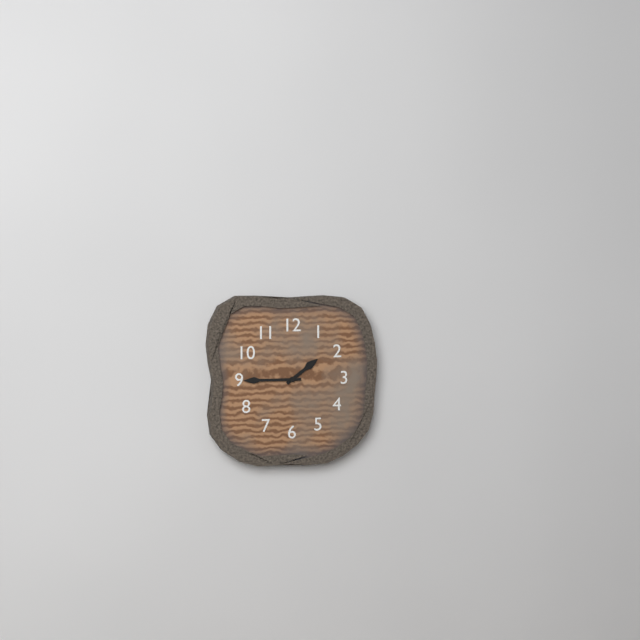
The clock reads {"hour": 1, "minute": 45}
